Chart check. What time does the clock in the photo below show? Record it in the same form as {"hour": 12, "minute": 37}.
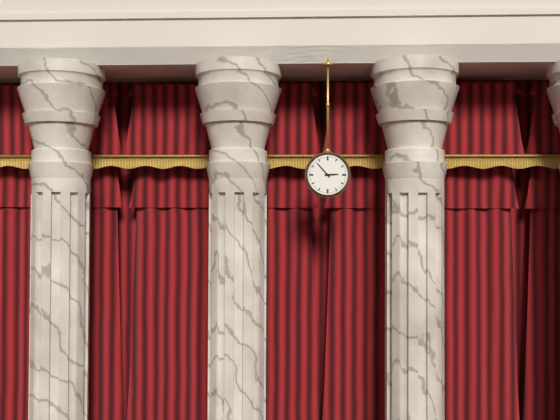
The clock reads {"hour": 2, "minute": 53}
